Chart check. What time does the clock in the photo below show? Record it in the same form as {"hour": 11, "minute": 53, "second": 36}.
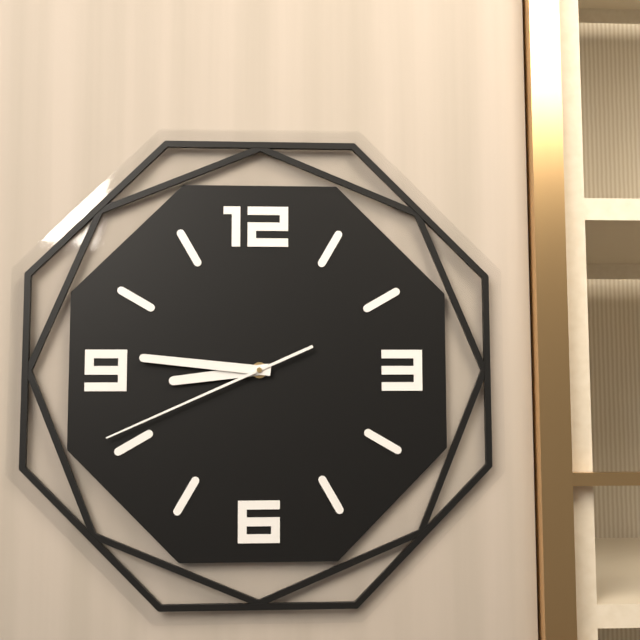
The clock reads {"hour": 8, "minute": 46, "second": 41}
